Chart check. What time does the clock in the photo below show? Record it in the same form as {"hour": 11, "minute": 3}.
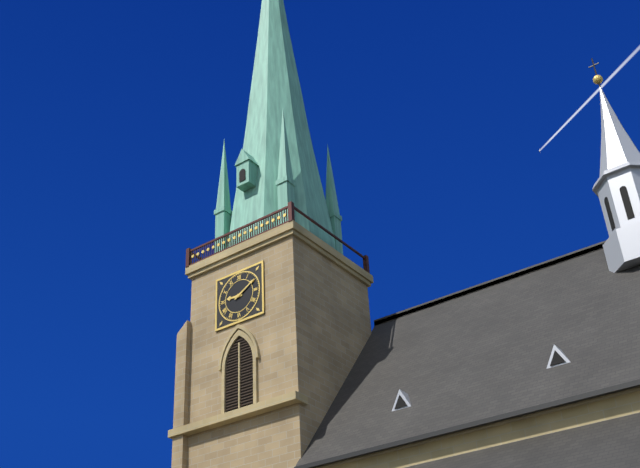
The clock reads {"hour": 9, "minute": 10}
